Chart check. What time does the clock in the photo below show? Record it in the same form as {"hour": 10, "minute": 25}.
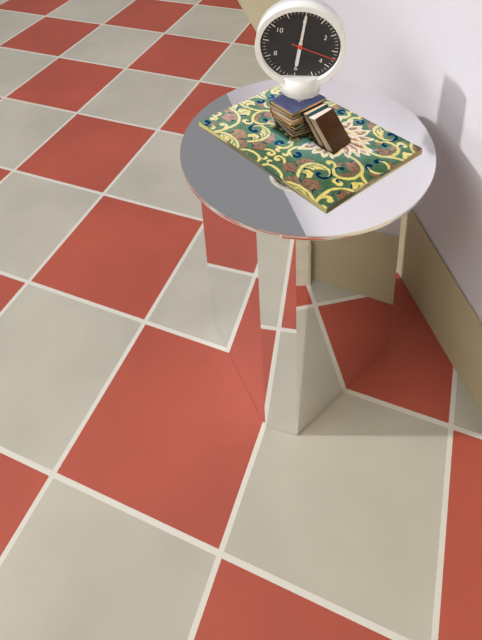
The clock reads {"hour": 6, "minute": 0}
